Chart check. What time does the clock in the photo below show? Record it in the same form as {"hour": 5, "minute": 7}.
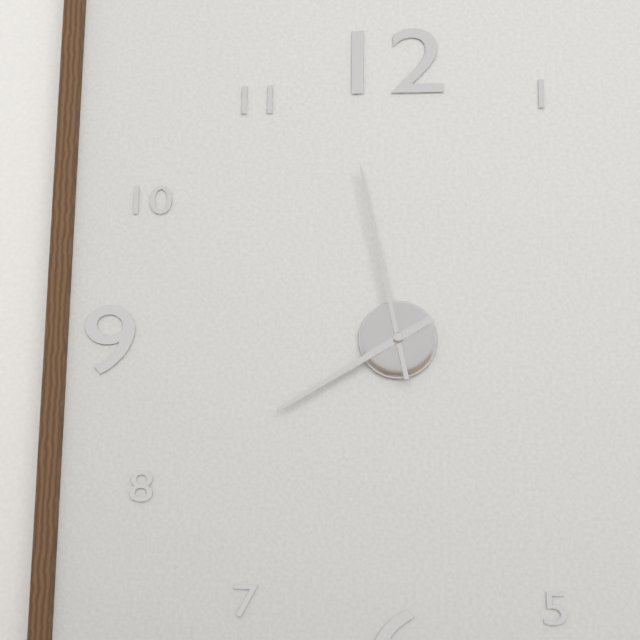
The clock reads {"hour": 7, "minute": 58}
